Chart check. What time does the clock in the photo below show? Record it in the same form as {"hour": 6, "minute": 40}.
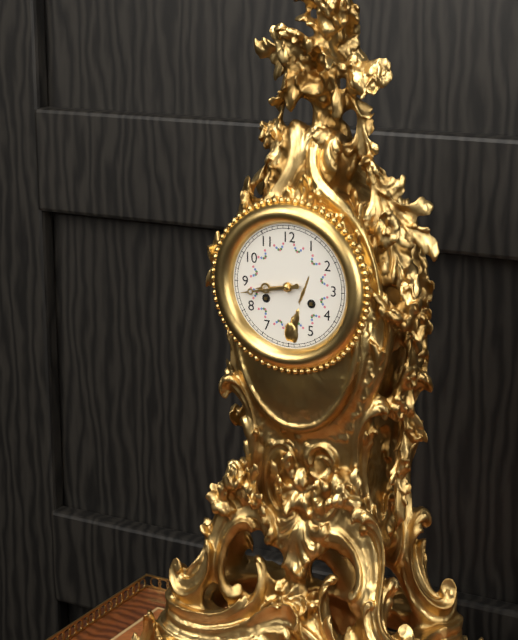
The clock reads {"hour": 8, "minute": 43}
